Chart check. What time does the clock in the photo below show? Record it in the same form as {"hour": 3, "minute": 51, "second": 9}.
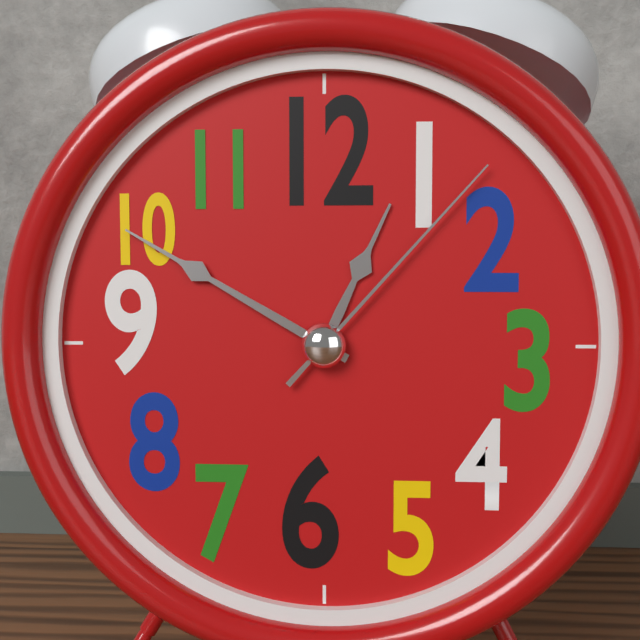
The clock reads {"hour": 12, "minute": 50, "second": 7}
